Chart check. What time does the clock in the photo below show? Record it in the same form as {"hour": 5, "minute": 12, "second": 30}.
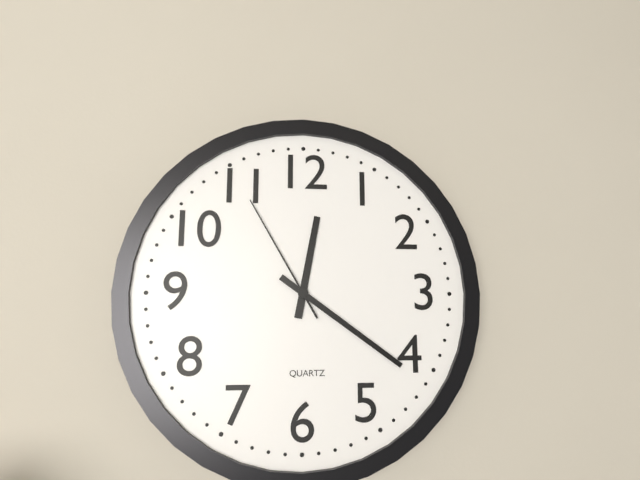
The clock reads {"hour": 12, "minute": 21, "second": 55}
